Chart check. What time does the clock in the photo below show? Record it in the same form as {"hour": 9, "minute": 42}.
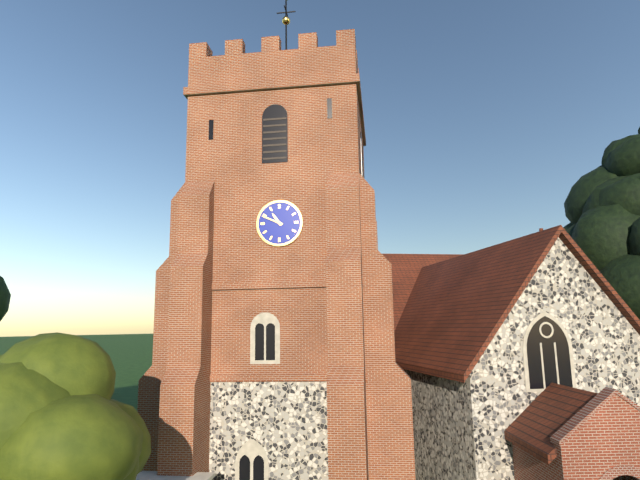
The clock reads {"hour": 10, "minute": 49}
